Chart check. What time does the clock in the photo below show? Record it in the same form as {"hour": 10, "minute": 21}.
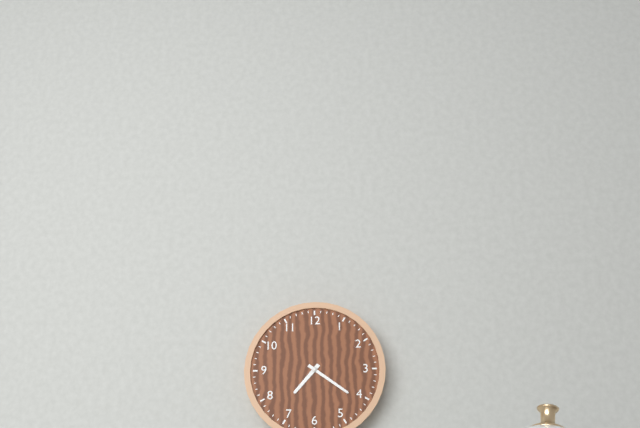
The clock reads {"hour": 7, "minute": 21}
